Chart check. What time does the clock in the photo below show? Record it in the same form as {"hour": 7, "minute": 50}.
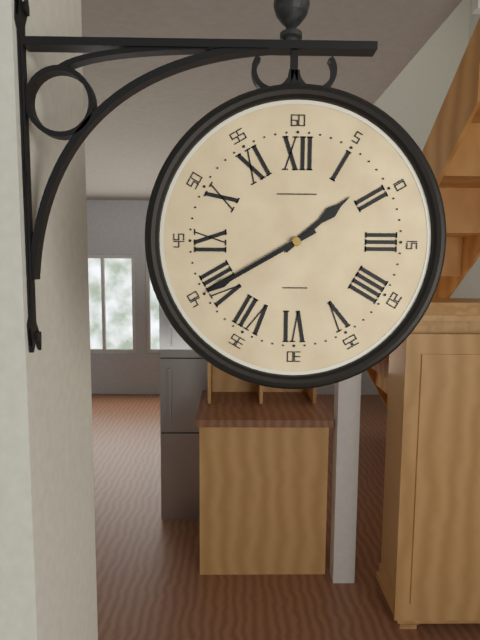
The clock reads {"hour": 1, "minute": 40}
